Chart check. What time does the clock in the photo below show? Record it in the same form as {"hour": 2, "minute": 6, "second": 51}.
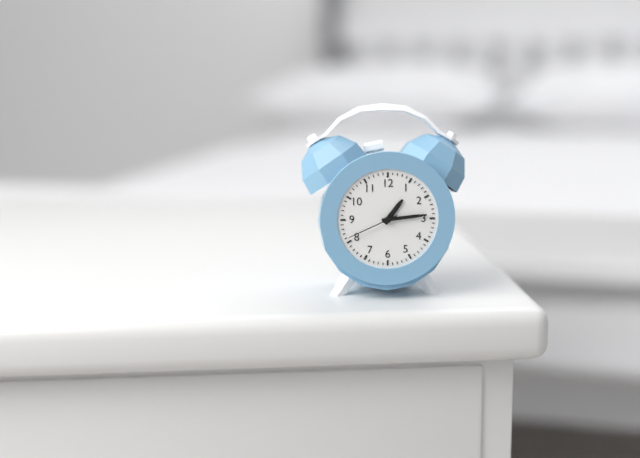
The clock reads {"hour": 1, "minute": 14, "second": 41}
